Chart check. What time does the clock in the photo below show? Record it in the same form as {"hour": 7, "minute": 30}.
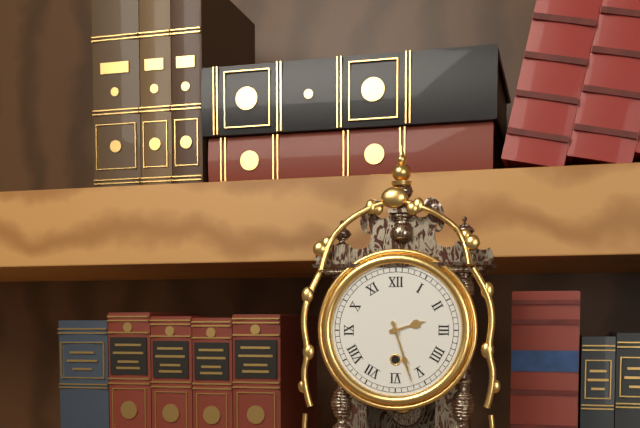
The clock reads {"hour": 2, "minute": 27}
